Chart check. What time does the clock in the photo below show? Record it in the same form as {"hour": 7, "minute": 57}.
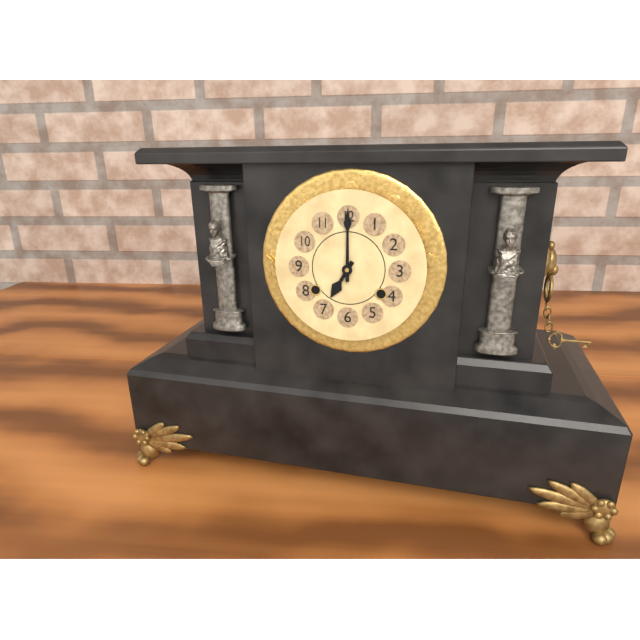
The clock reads {"hour": 7, "minute": 0}
